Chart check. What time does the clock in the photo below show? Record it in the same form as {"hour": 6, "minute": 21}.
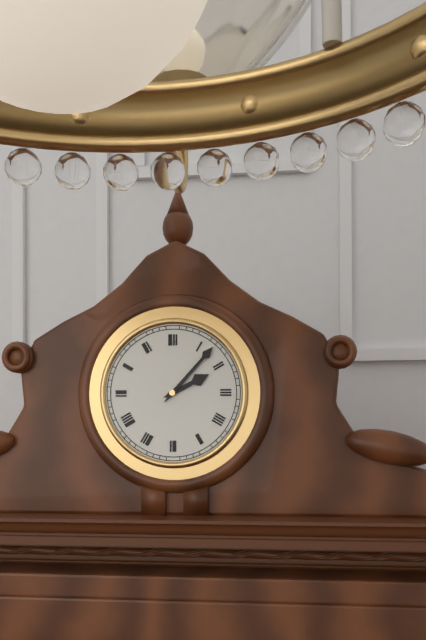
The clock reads {"hour": 2, "minute": 7}
